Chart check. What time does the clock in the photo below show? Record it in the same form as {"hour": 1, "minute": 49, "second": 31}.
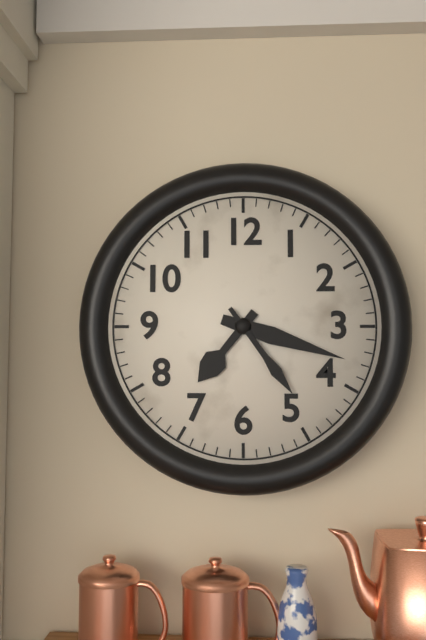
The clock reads {"hour": 7, "minute": 18, "second": 24}
